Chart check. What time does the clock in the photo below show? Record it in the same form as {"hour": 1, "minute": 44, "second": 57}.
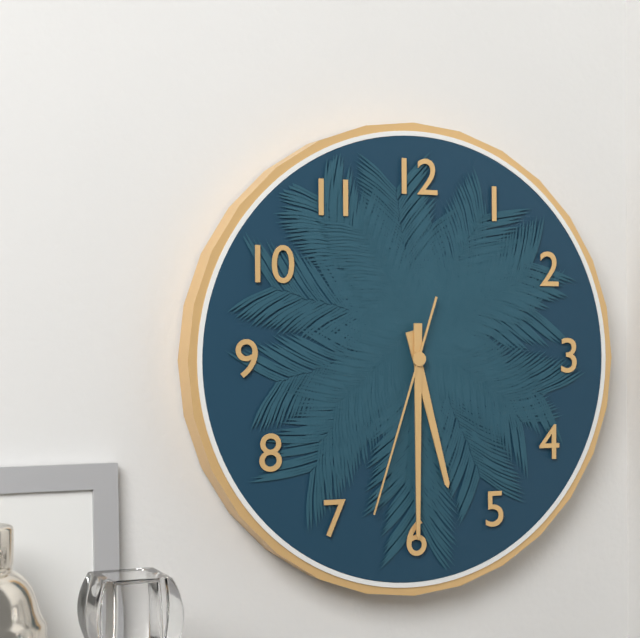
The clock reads {"hour": 5, "minute": 30, "second": 33}
